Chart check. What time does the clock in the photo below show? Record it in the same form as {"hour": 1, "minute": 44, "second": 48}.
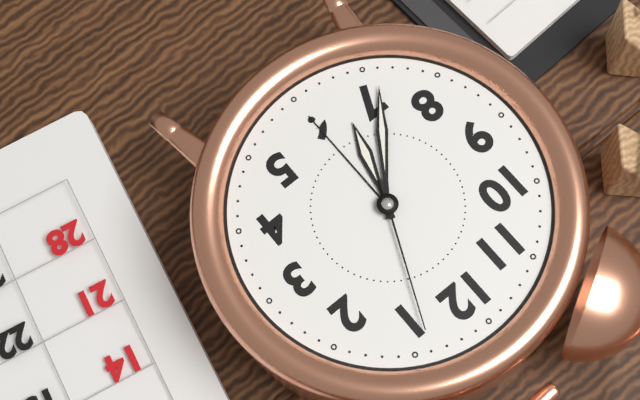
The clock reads {"hour": 6, "minute": 36, "second": 4}
